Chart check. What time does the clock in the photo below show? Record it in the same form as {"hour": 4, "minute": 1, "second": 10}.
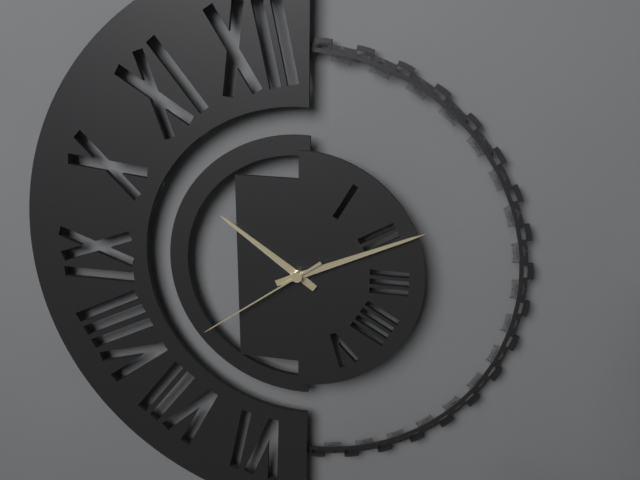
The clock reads {"hour": 10, "minute": 11, "second": 39}
